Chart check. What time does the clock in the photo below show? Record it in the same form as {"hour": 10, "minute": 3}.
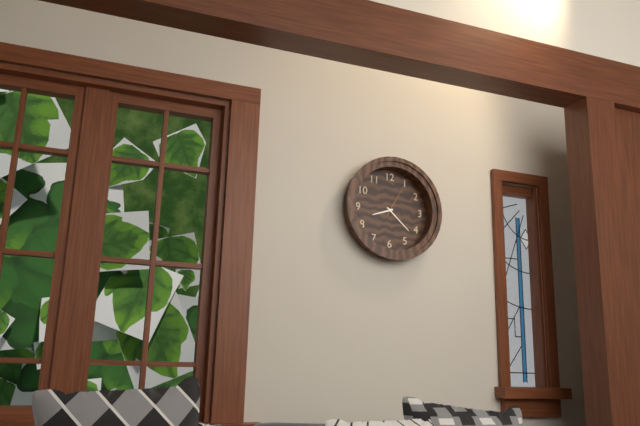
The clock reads {"hour": 8, "minute": 22}
